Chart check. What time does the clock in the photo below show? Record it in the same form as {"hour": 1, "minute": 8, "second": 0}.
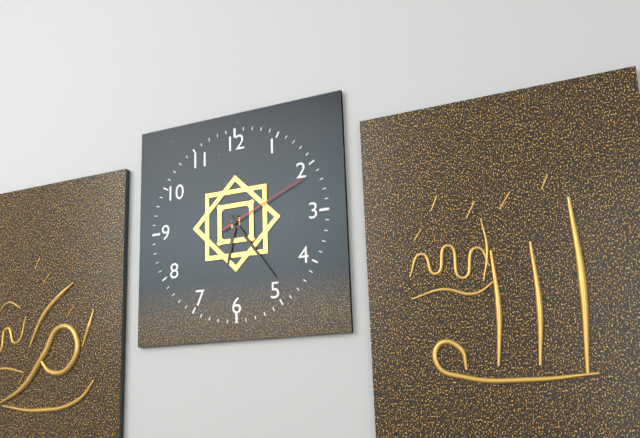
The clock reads {"hour": 6, "minute": 24, "second": 11}
